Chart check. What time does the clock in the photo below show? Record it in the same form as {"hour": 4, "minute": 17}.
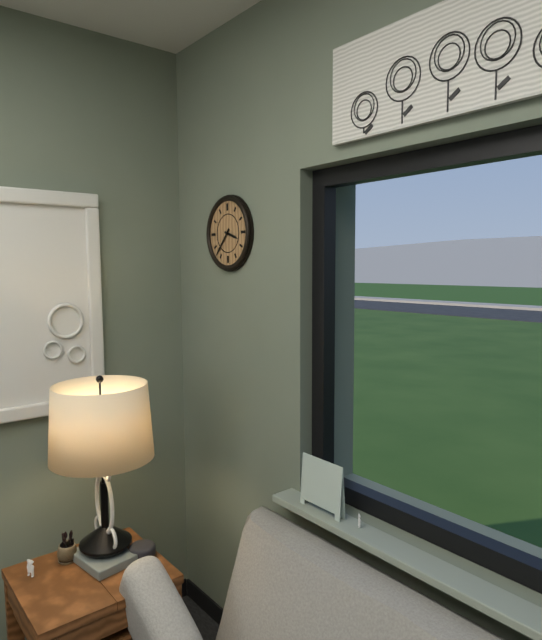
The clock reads {"hour": 3, "minute": 37}
